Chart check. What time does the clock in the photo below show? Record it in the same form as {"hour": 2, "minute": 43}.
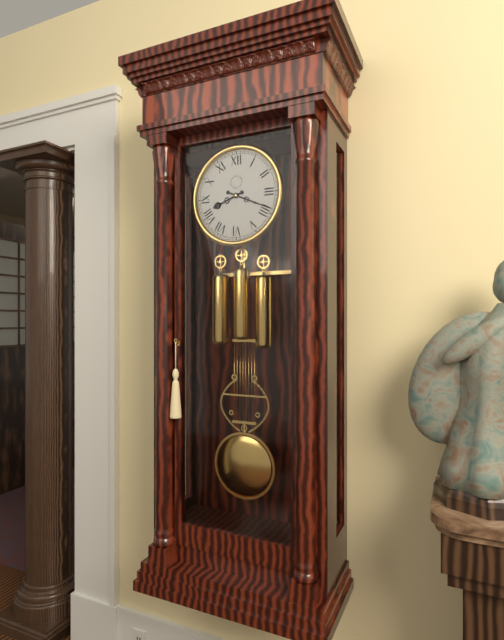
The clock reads {"hour": 8, "minute": 19}
